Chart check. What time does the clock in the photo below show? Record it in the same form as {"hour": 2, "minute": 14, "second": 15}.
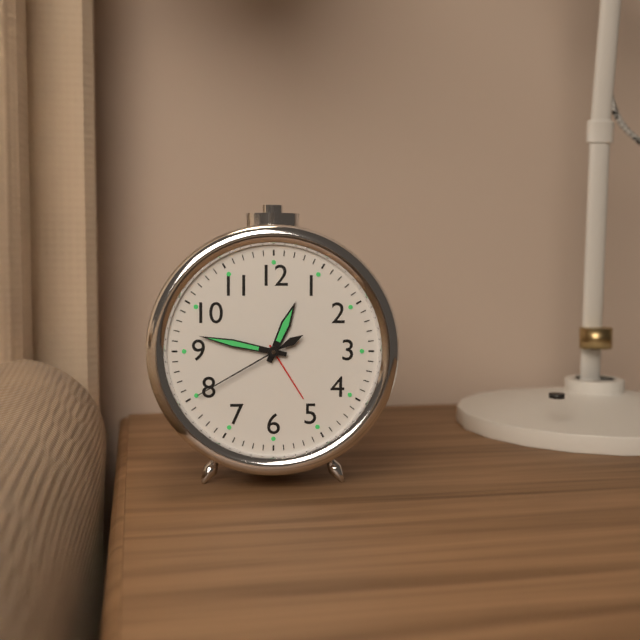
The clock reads {"hour": 12, "minute": 47, "second": 40}
